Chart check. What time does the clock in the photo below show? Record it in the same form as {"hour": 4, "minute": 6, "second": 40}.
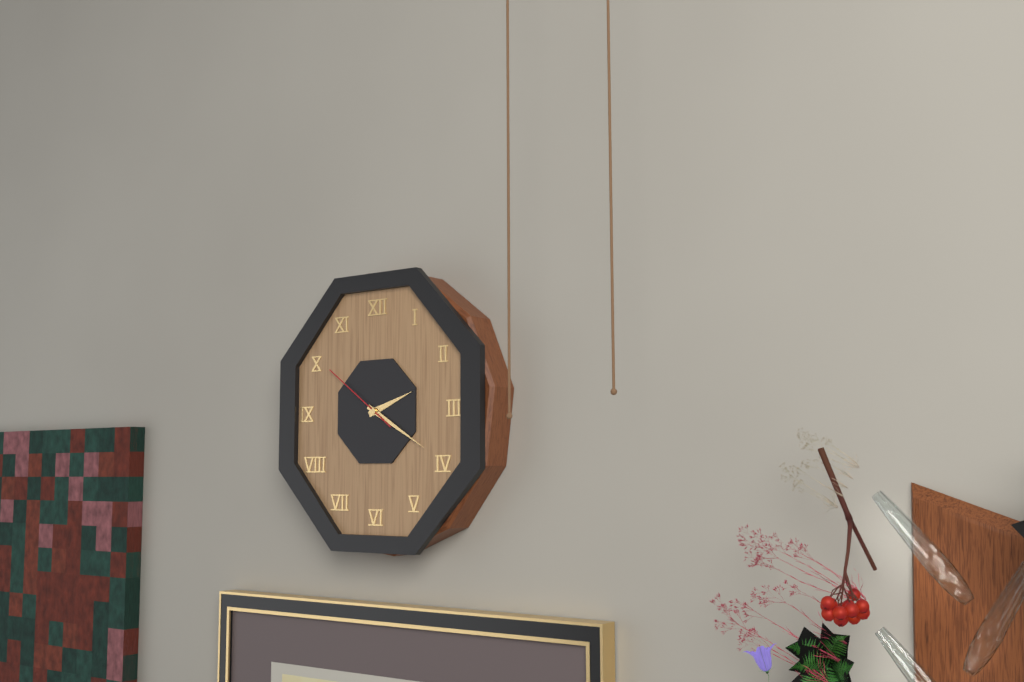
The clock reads {"hour": 2, "minute": 20, "second": 51}
